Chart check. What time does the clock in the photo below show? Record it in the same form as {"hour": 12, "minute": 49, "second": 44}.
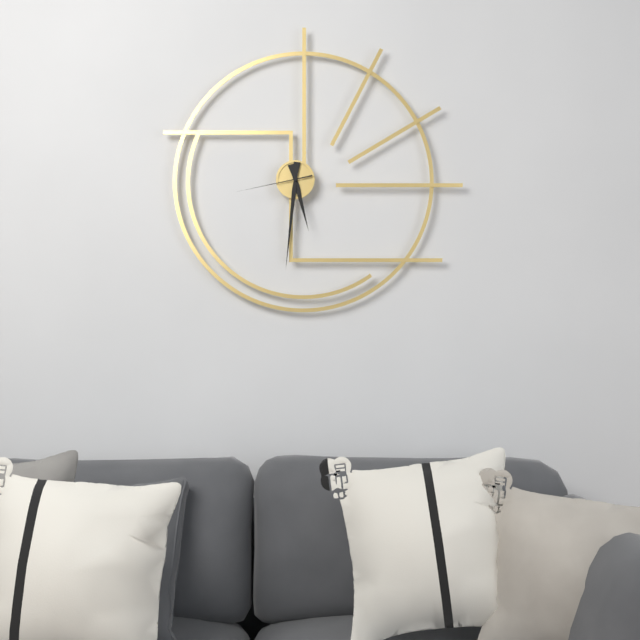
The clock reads {"hour": 5, "minute": 31, "second": 43}
